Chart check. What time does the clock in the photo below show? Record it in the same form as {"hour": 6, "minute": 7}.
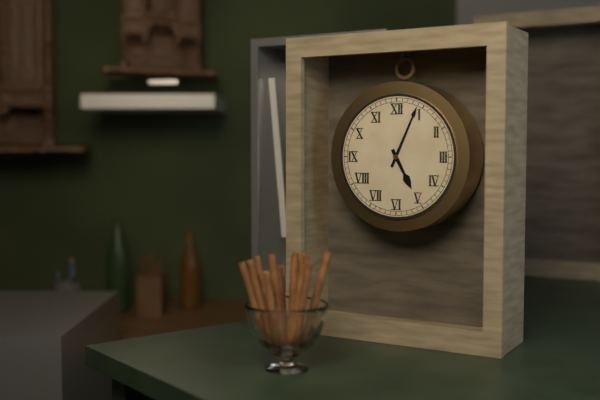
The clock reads {"hour": 5, "minute": 4}
